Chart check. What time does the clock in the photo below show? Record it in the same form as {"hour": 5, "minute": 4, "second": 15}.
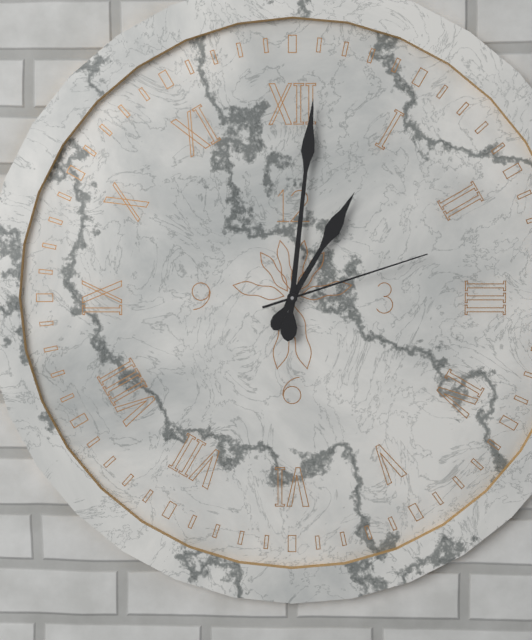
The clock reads {"hour": 1, "minute": 1, "second": 12}
